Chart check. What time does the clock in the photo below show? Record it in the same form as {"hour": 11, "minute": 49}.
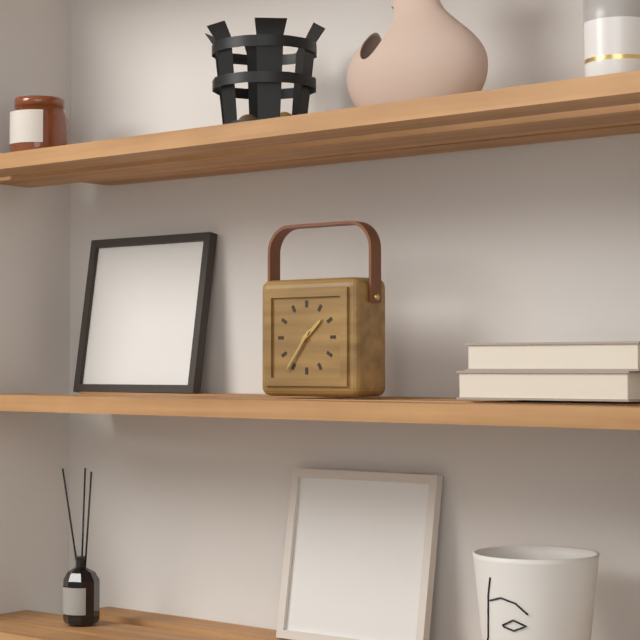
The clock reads {"hour": 1, "minute": 36}
